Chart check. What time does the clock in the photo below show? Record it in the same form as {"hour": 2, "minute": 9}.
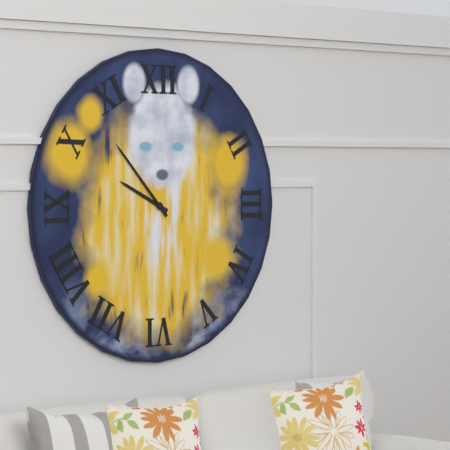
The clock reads {"hour": 9, "minute": 53}
